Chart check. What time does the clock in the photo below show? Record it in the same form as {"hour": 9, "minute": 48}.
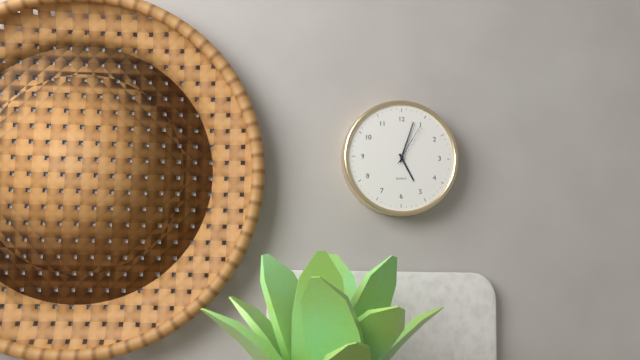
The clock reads {"hour": 5, "minute": 3}
